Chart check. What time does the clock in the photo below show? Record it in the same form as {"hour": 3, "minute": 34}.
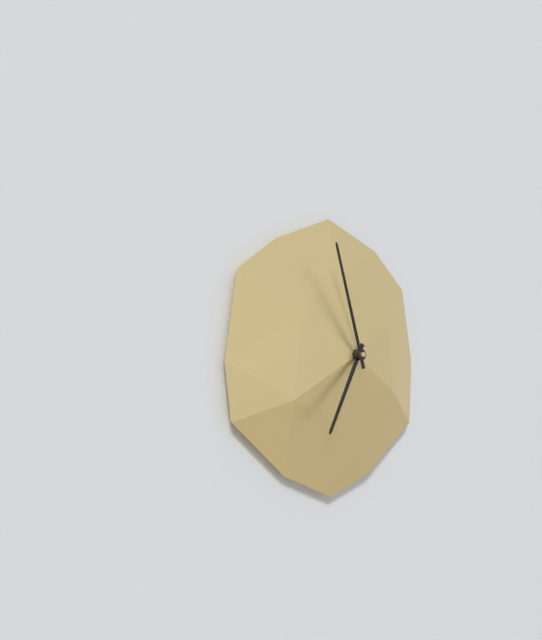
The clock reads {"hour": 6, "minute": 57}
